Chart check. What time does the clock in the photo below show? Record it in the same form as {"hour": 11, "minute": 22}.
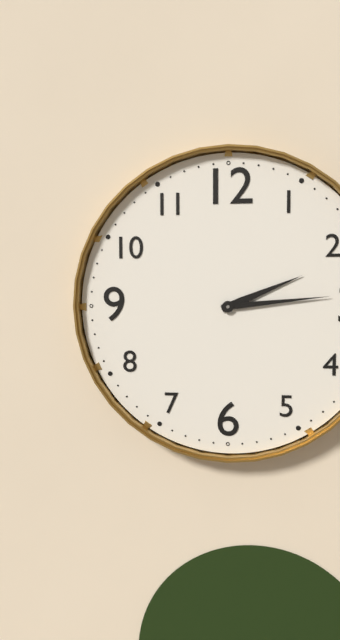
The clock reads {"hour": 2, "minute": 14}
